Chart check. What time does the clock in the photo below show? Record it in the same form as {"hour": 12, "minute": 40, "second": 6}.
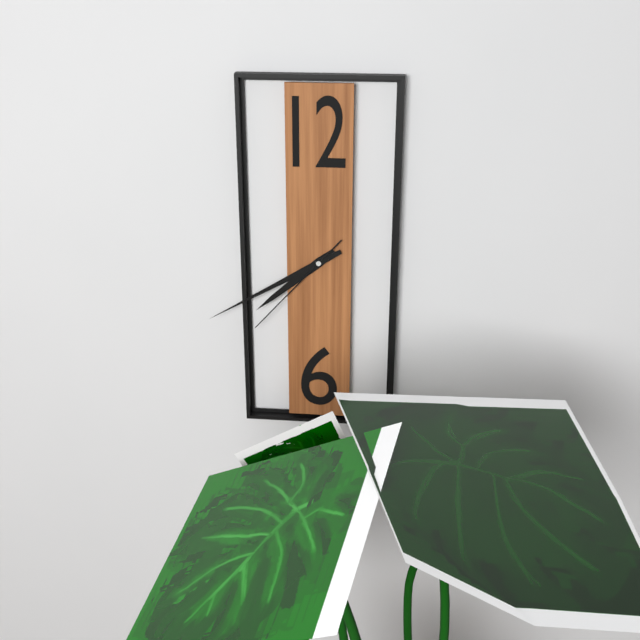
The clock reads {"hour": 7, "minute": 40, "second": 37}
